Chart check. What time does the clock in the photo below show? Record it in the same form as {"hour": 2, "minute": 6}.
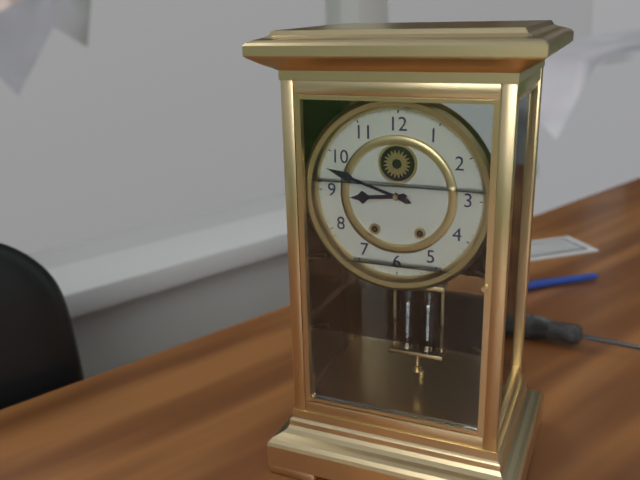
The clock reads {"hour": 8, "minute": 48}
